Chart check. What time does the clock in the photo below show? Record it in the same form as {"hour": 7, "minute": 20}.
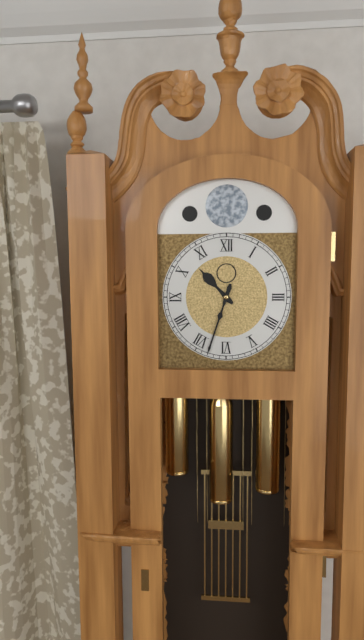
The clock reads {"hour": 10, "minute": 33}
